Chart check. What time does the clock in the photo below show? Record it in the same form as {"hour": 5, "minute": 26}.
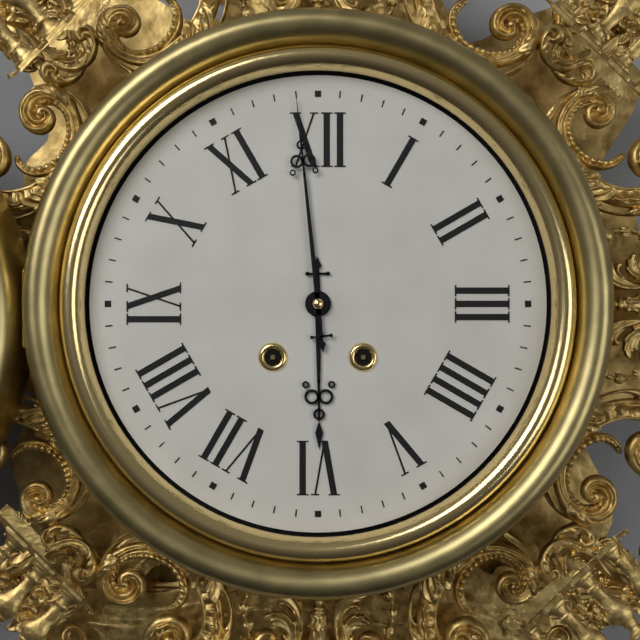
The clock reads {"hour": 5, "minute": 59}
